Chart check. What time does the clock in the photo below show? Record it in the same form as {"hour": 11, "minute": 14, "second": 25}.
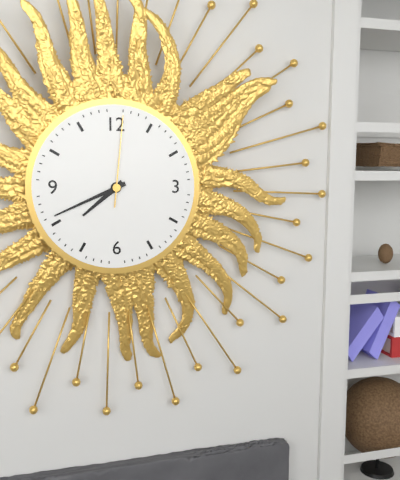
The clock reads {"hour": 7, "minute": 41, "second": 1}
